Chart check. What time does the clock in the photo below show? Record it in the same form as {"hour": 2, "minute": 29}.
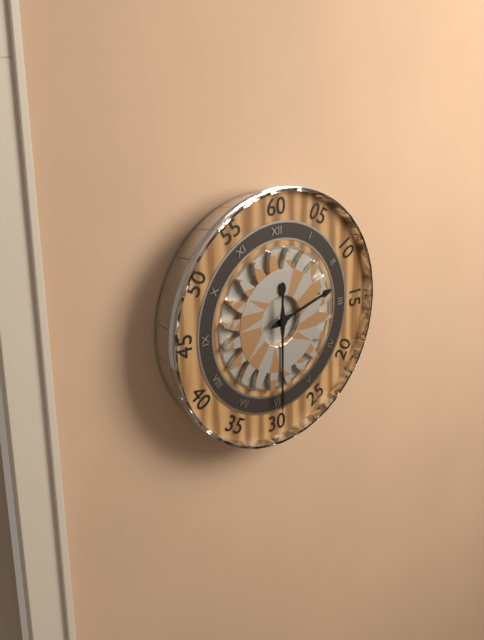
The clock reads {"hour": 2, "minute": 30}
